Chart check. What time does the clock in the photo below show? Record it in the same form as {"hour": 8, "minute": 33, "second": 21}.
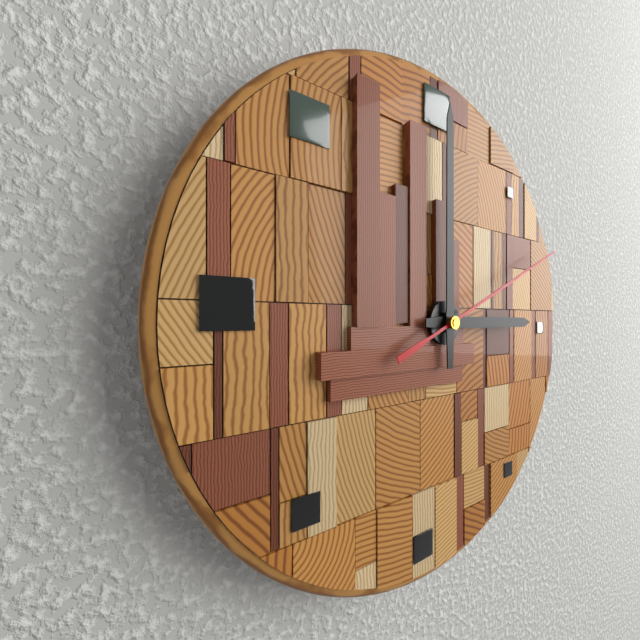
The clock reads {"hour": 3, "minute": 0, "second": 11}
